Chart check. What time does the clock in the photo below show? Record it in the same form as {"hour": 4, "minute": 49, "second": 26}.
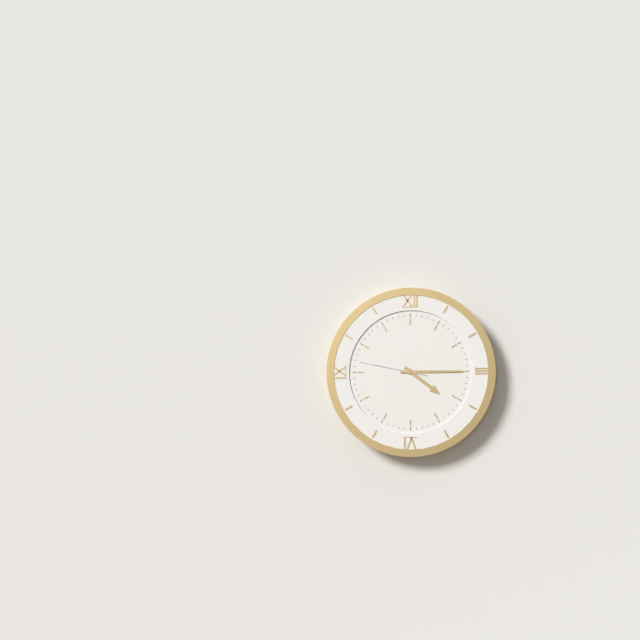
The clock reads {"hour": 4, "minute": 15, "second": 47}
